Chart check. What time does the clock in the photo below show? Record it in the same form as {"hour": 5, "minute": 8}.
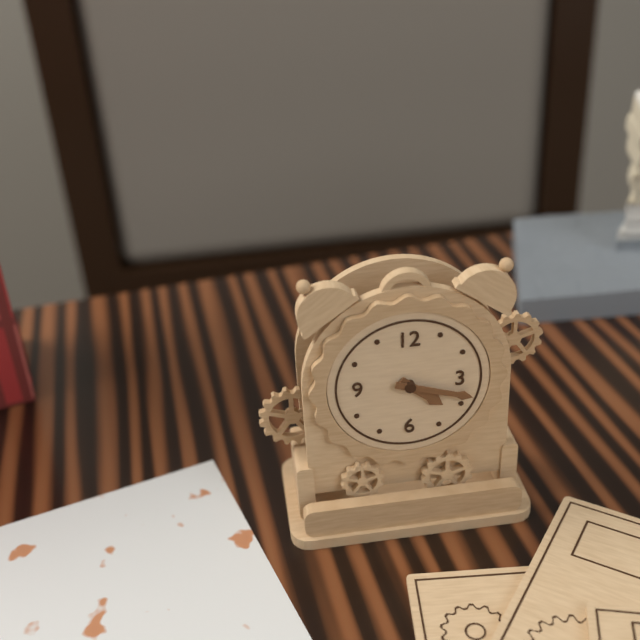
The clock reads {"hour": 4, "minute": 18}
